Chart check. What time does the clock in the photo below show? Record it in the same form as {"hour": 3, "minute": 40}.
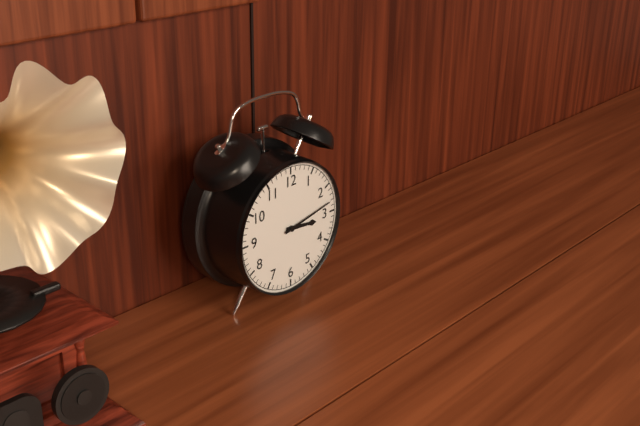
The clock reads {"hour": 3, "minute": 13}
